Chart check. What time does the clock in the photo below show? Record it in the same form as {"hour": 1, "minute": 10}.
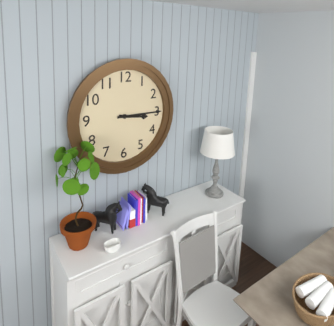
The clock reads {"hour": 3, "minute": 15}
